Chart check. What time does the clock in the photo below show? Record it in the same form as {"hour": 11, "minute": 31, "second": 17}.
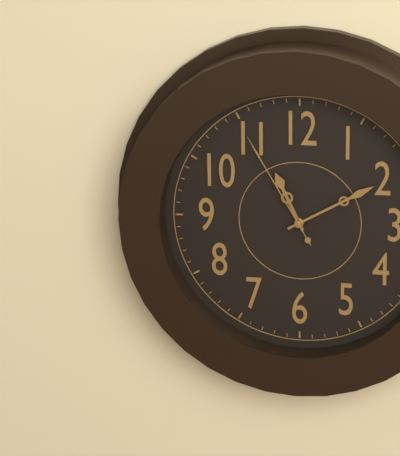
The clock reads {"hour": 11, "minute": 10, "second": 55}
